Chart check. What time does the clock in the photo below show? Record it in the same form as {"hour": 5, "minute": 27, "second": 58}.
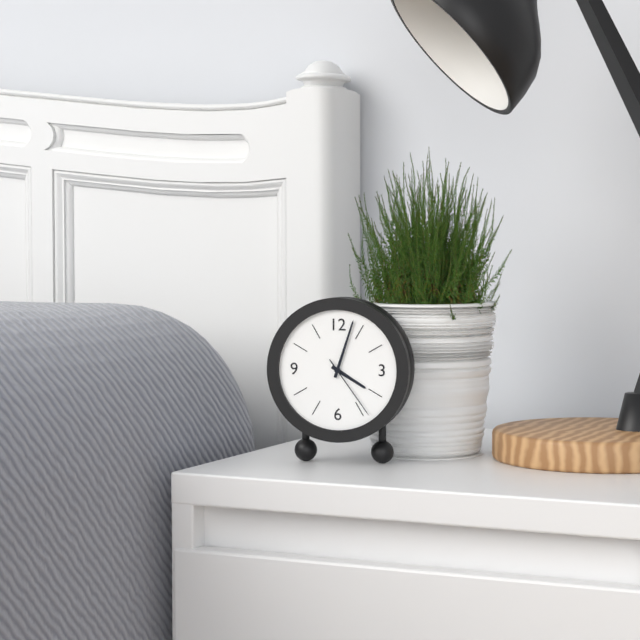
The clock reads {"hour": 4, "minute": 3, "second": 24}
